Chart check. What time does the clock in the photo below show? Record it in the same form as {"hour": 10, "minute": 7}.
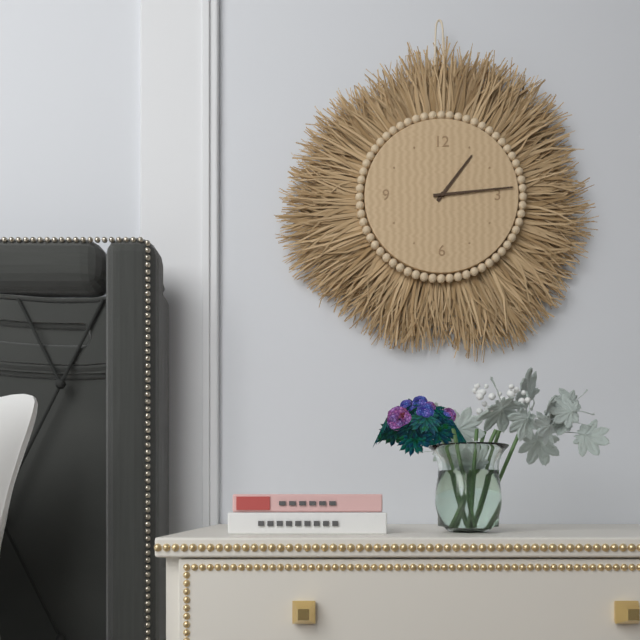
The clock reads {"hour": 1, "minute": 14}
